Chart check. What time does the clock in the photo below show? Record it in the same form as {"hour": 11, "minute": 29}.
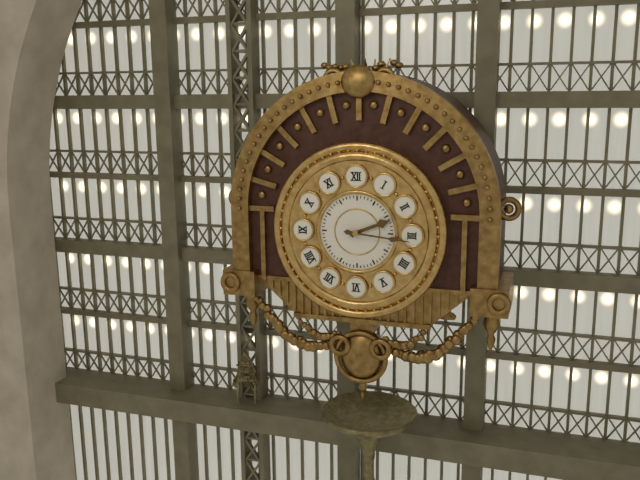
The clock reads {"hour": 2, "minute": 16}
